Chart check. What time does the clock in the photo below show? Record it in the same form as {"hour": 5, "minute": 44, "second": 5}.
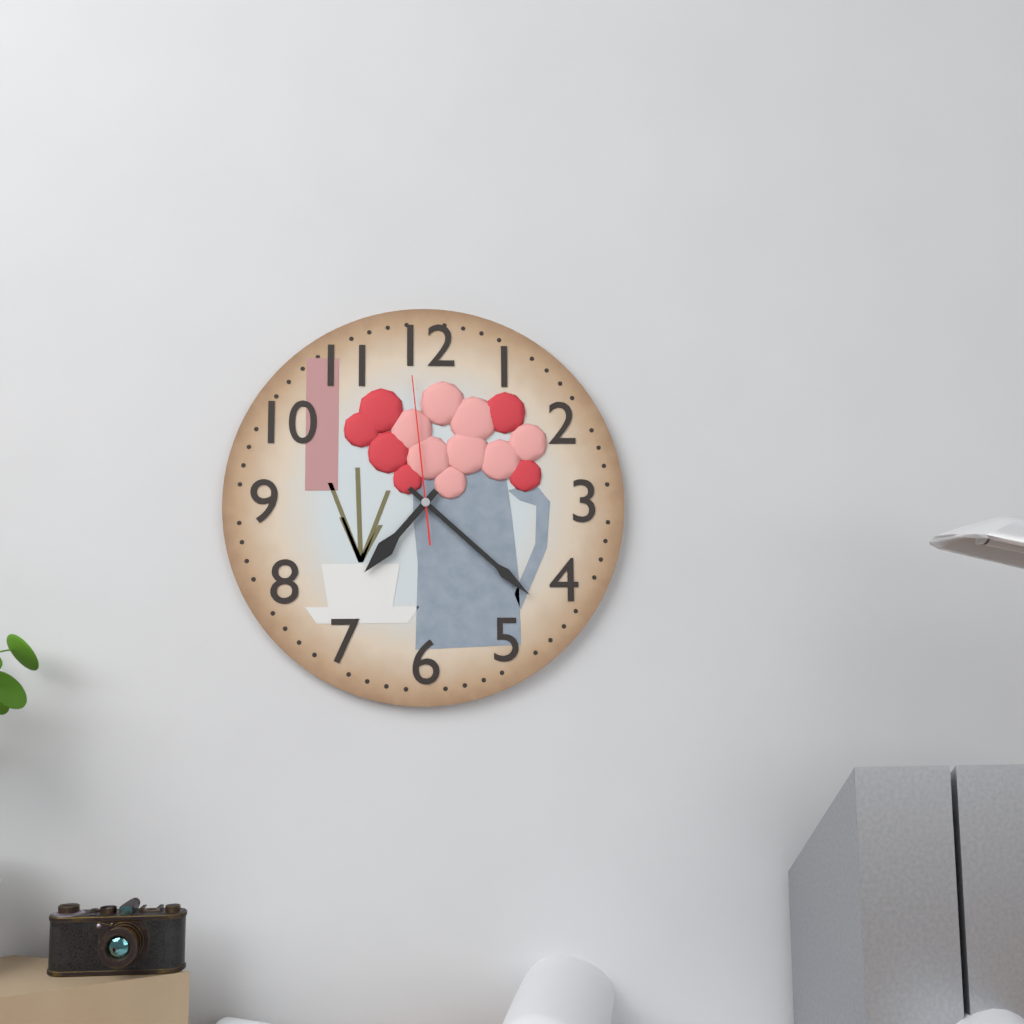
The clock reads {"hour": 7, "minute": 22, "second": 59}
